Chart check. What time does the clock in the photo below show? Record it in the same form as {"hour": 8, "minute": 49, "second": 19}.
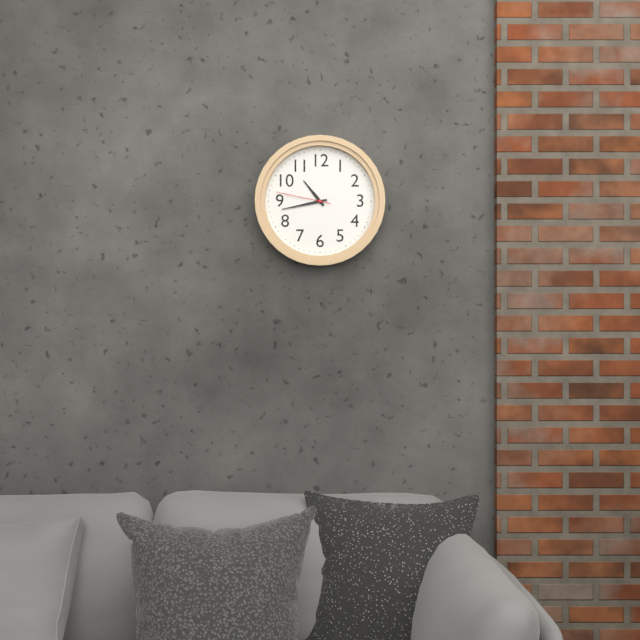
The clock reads {"hour": 10, "minute": 43, "second": 47}
